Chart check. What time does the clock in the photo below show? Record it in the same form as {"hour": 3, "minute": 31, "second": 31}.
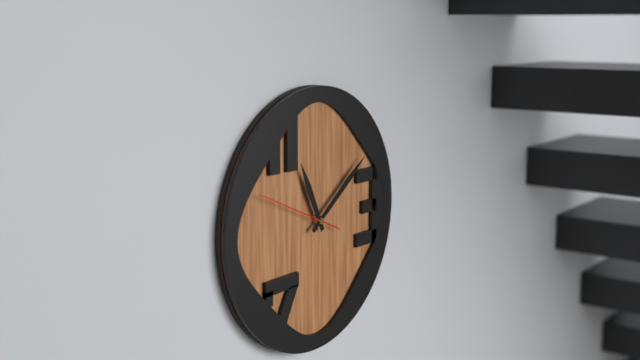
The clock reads {"hour": 11, "minute": 9, "second": 49}
